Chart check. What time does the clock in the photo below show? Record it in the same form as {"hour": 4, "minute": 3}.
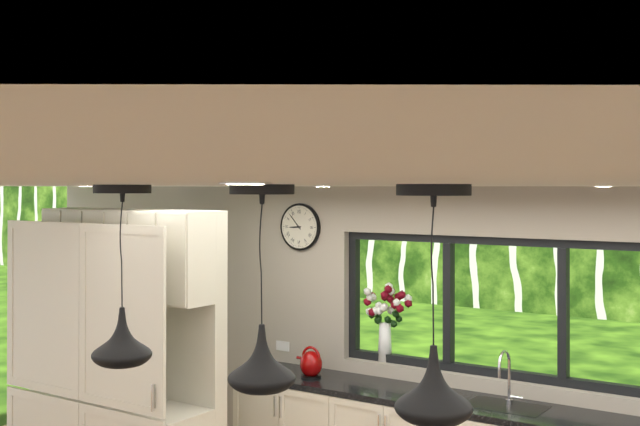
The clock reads {"hour": 8, "minute": 53}
